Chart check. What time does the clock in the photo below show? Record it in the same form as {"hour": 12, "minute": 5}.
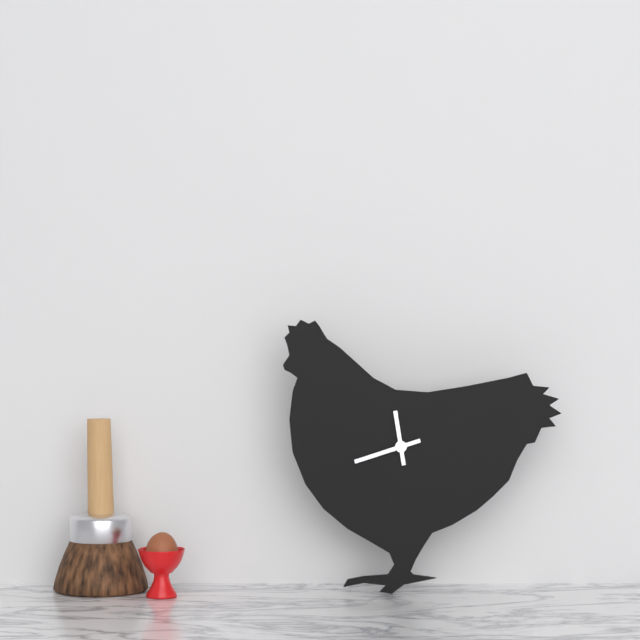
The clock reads {"hour": 11, "minute": 42}
